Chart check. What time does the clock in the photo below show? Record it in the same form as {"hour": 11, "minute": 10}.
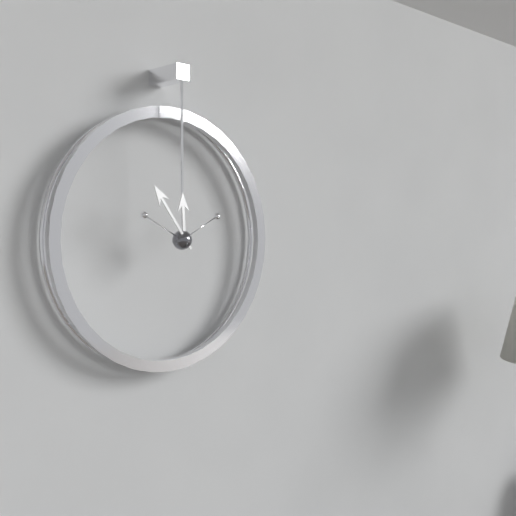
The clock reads {"hour": 11, "minute": 54}
